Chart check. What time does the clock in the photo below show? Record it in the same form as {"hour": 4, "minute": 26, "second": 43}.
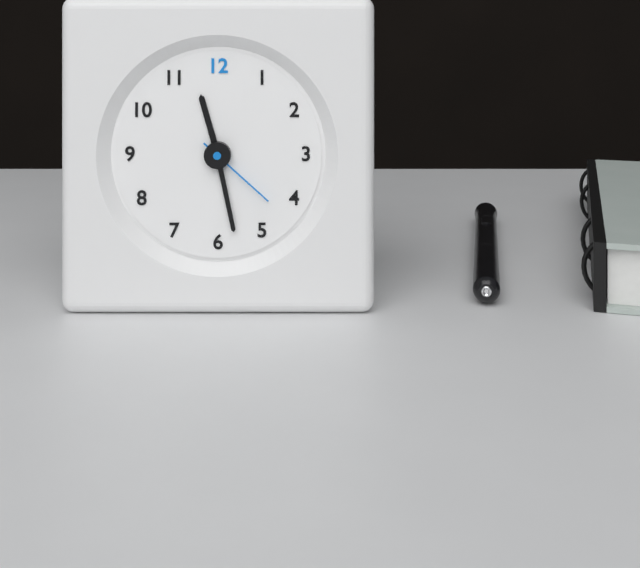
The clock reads {"hour": 11, "minute": 28, "second": 22}
